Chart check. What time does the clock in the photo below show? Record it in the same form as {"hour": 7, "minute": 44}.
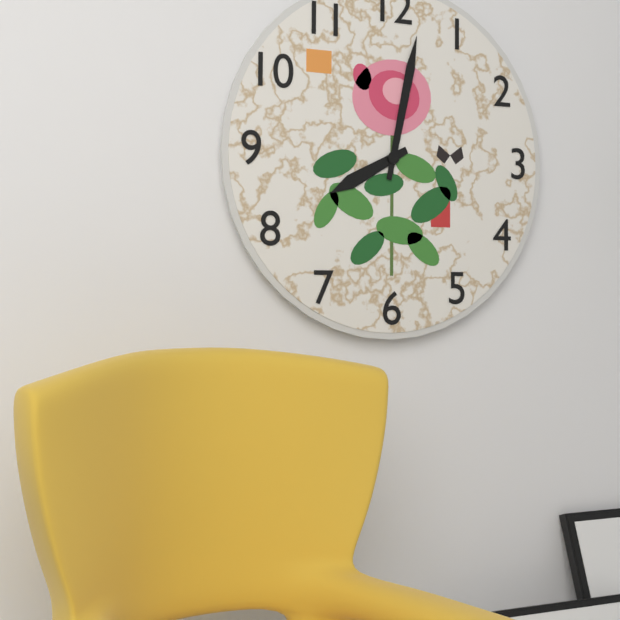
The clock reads {"hour": 8, "minute": 2}
